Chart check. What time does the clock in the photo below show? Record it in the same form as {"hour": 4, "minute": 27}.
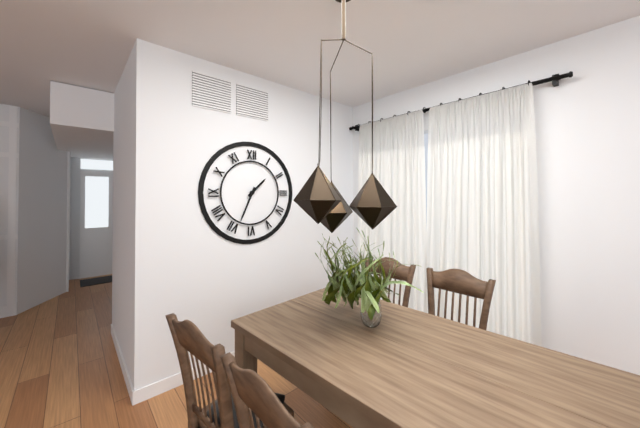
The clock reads {"hour": 1, "minute": 34}
